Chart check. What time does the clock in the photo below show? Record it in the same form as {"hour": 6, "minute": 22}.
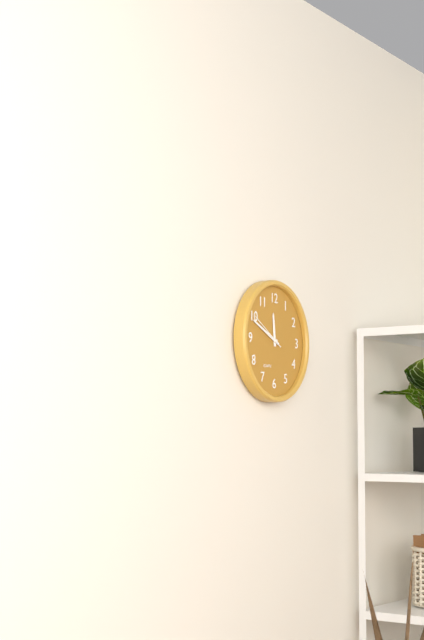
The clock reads {"hour": 11, "minute": 49}
